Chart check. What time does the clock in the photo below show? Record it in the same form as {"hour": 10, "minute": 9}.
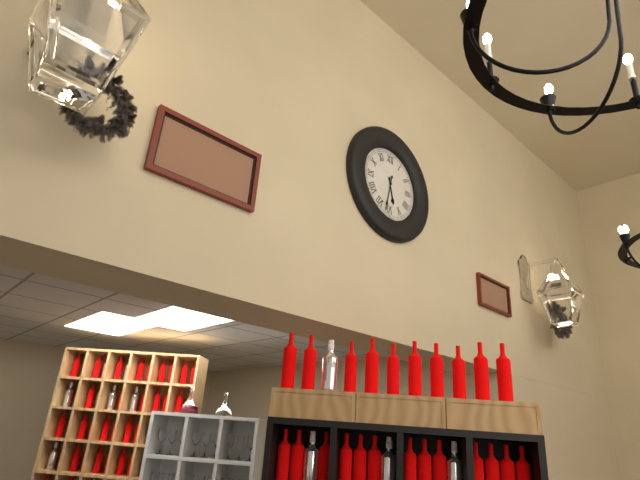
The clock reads {"hour": 5, "minute": 32}
